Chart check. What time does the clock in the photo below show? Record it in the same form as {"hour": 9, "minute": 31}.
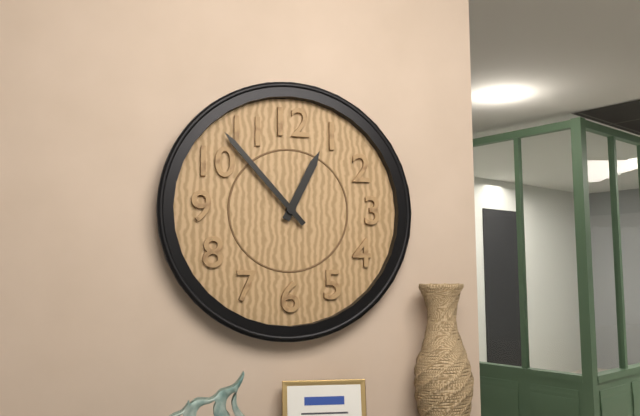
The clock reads {"hour": 12, "minute": 53}
